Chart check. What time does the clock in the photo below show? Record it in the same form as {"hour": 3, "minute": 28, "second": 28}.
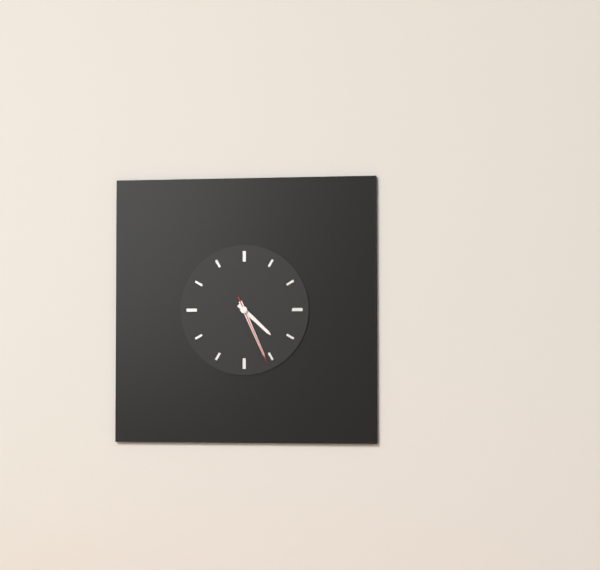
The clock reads {"hour": 4, "minute": 26, "second": 26}
